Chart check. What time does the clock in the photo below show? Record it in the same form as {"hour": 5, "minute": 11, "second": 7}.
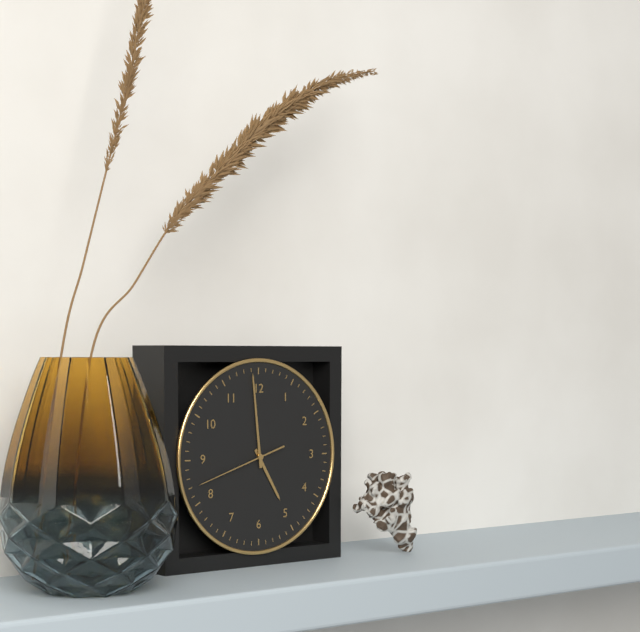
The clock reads {"hour": 4, "minute": 59, "second": 42}
